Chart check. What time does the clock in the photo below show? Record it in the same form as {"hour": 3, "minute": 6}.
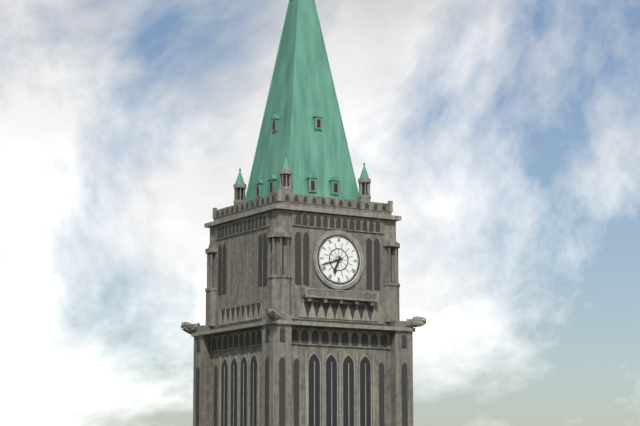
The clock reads {"hour": 6, "minute": 42}
